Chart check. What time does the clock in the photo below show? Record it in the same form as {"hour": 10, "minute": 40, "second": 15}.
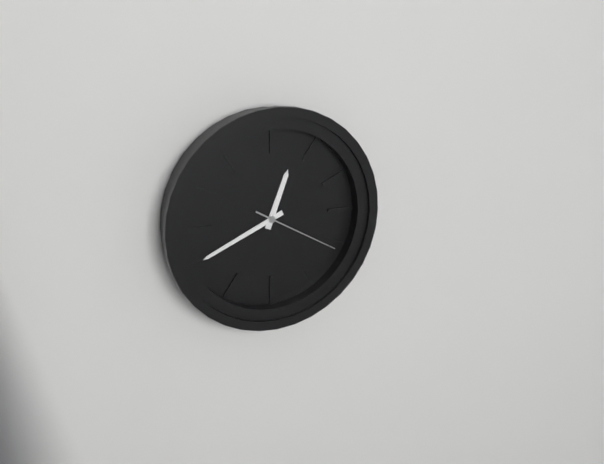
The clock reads {"hour": 12, "minute": 41, "second": 20}
